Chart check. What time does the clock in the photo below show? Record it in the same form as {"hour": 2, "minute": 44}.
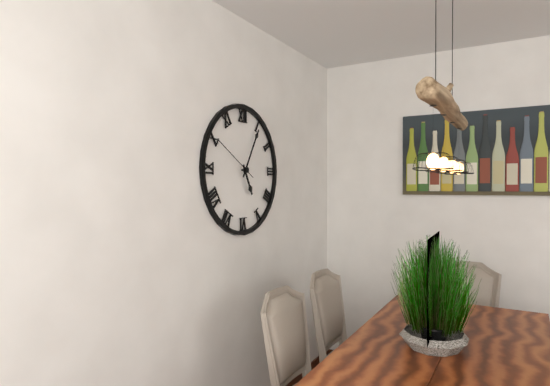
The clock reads {"hour": 5, "minute": 5}
